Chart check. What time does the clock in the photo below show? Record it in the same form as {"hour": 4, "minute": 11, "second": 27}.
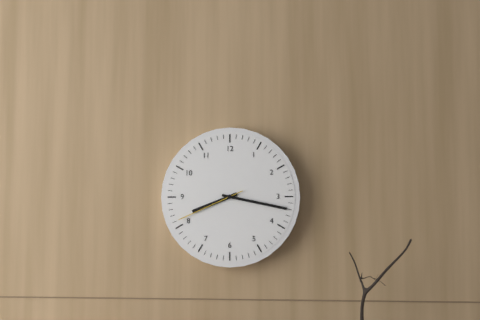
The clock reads {"hour": 8, "minute": 17, "second": 41}
